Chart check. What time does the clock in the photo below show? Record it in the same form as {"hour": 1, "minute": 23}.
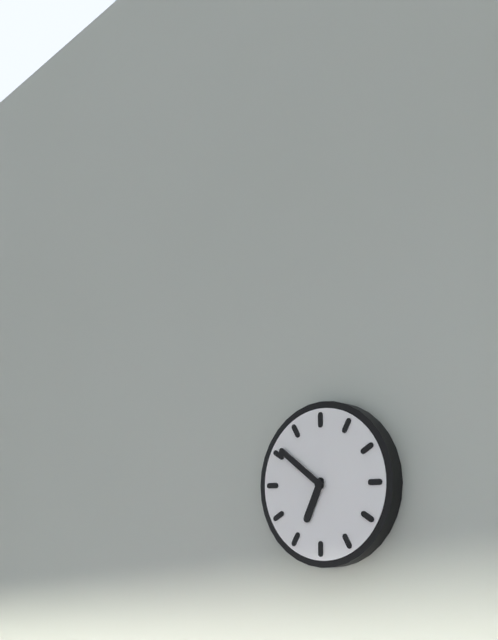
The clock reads {"hour": 6, "minute": 51}
